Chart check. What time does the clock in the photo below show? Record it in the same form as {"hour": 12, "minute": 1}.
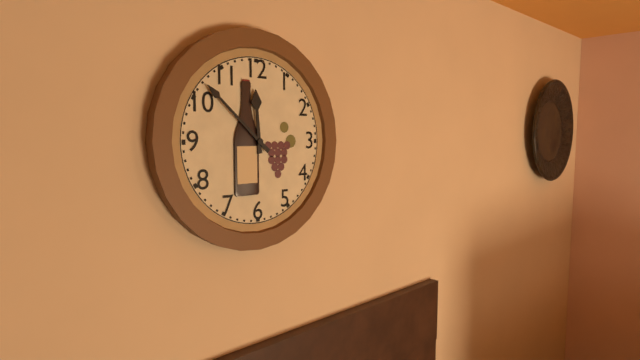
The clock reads {"hour": 11, "minute": 52}
